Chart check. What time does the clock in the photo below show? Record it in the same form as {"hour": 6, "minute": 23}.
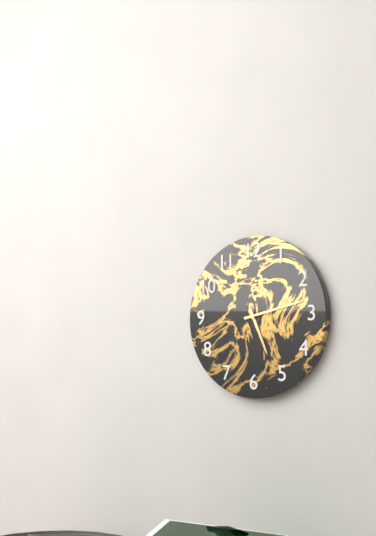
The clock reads {"hour": 5, "minute": 13}
